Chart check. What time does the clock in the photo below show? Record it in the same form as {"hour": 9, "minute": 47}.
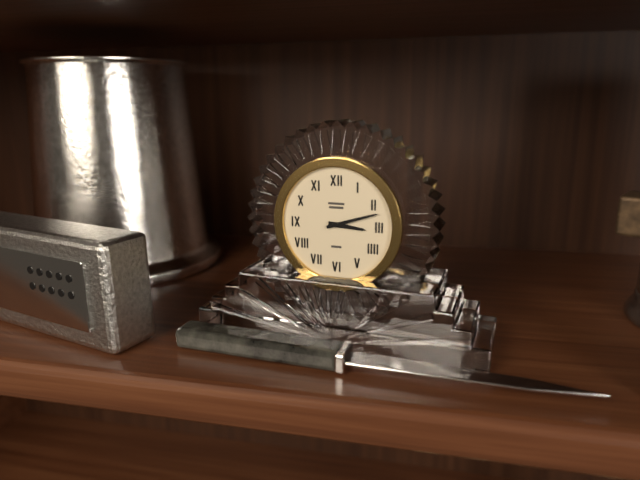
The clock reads {"hour": 3, "minute": 12}
